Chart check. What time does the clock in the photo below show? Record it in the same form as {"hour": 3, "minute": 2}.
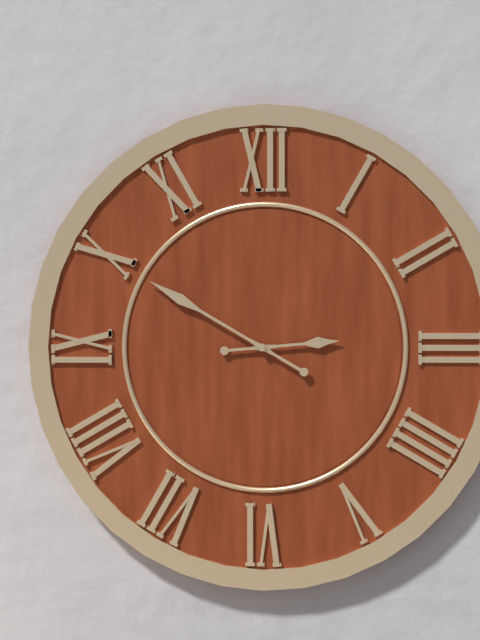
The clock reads {"hour": 2, "minute": 50}
